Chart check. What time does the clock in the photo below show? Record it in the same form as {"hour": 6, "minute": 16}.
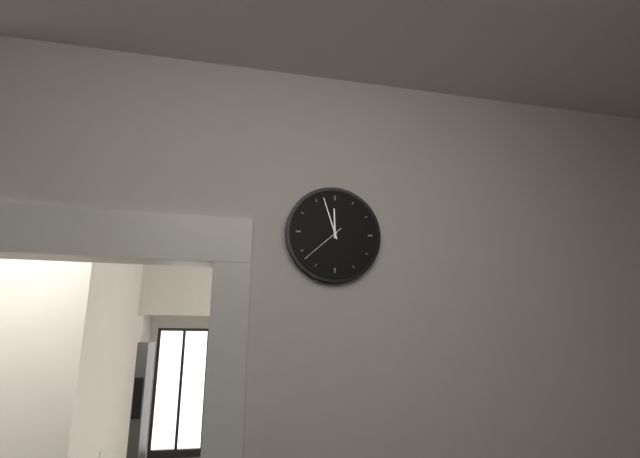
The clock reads {"hour": 11, "minute": 57}
